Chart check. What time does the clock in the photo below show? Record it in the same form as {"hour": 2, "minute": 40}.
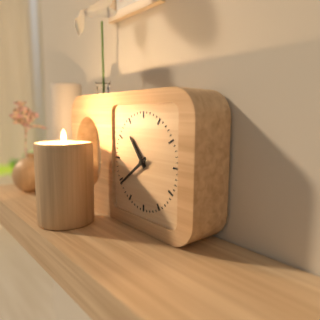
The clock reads {"hour": 10, "minute": 39}
